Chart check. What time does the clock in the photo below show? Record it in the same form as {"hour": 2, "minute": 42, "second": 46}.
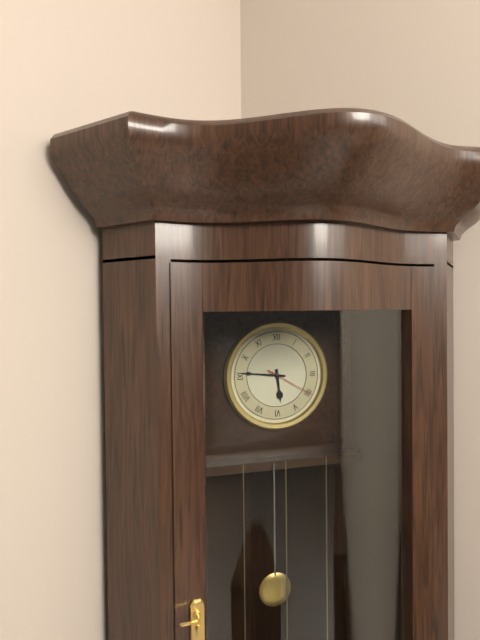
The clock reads {"hour": 5, "minute": 46, "second": 20}
